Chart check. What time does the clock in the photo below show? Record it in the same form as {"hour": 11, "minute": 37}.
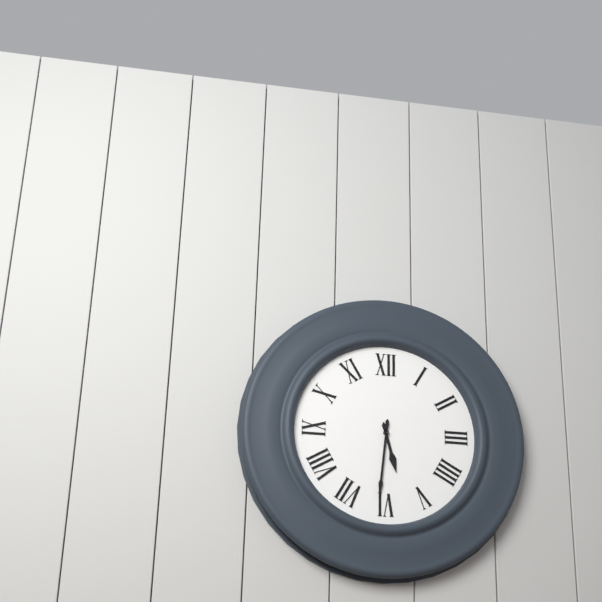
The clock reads {"hour": 5, "minute": 31}
